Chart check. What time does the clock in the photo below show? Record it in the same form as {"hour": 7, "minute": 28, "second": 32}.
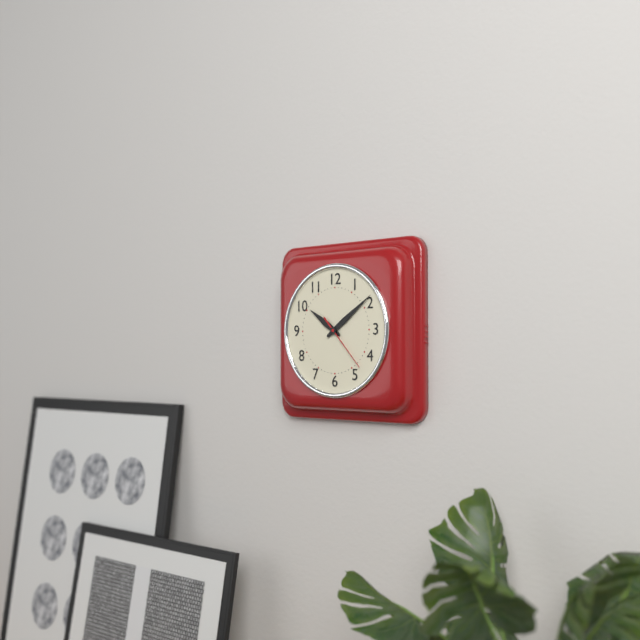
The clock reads {"hour": 10, "minute": 9, "second": 23}
